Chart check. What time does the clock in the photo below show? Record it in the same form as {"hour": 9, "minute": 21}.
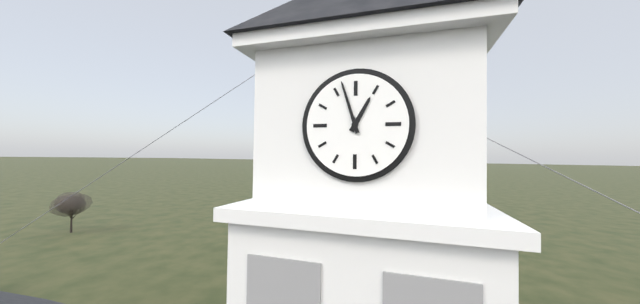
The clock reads {"hour": 12, "minute": 57}
